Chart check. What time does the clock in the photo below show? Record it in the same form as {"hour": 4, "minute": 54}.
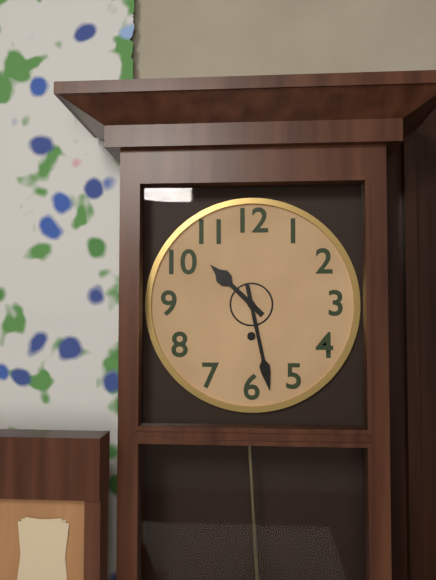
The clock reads {"hour": 10, "minute": 28}
